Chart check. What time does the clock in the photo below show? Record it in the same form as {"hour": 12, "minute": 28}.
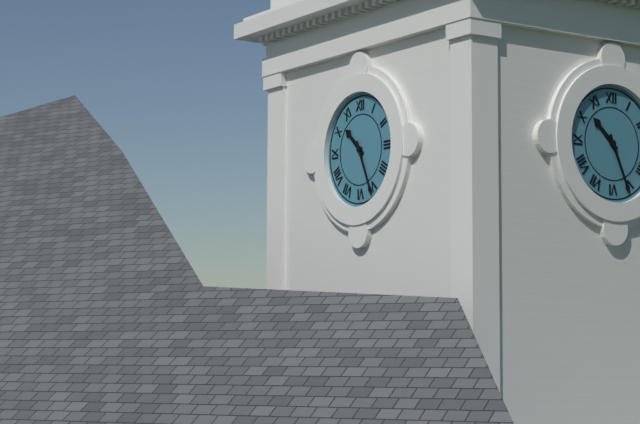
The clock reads {"hour": 10, "minute": 26}
